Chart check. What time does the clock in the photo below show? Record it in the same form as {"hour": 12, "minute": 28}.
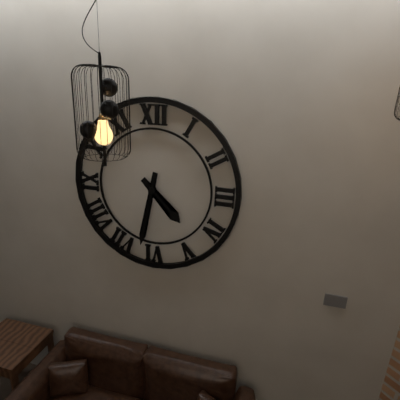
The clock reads {"hour": 4, "minute": 32}
